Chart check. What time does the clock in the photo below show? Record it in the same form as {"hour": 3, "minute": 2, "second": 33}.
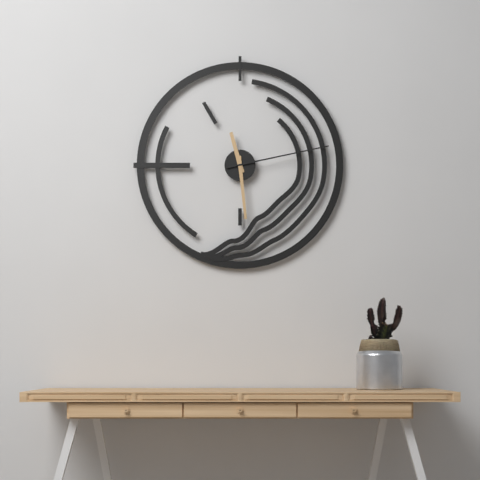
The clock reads {"hour": 11, "minute": 29, "second": 13}
